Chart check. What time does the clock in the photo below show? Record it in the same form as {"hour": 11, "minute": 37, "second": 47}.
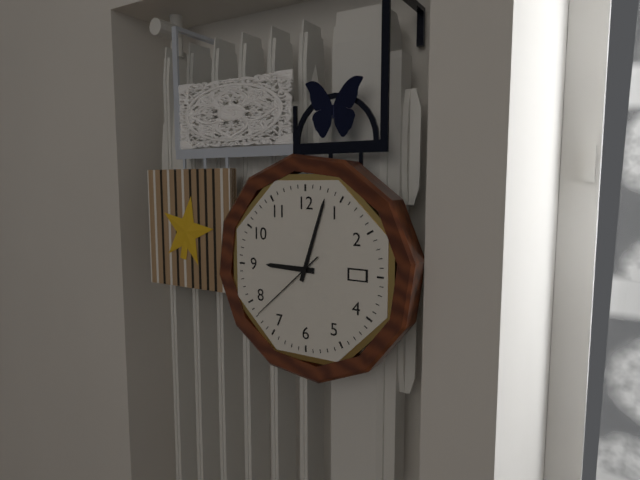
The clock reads {"hour": 9, "minute": 3, "second": 38}
